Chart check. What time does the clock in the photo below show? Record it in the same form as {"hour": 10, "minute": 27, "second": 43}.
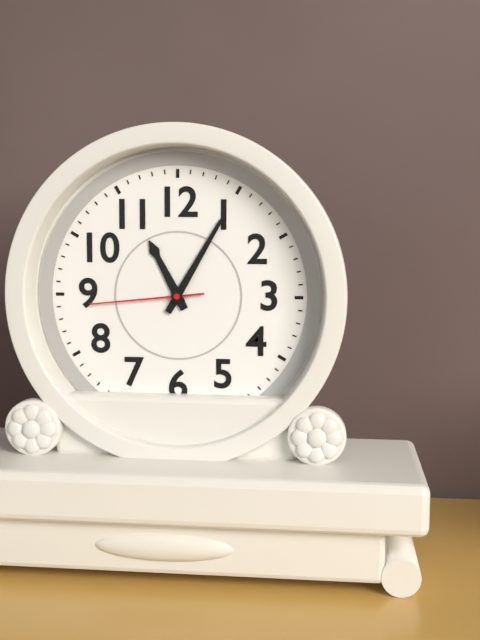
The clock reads {"hour": 11, "minute": 5, "second": 44}
